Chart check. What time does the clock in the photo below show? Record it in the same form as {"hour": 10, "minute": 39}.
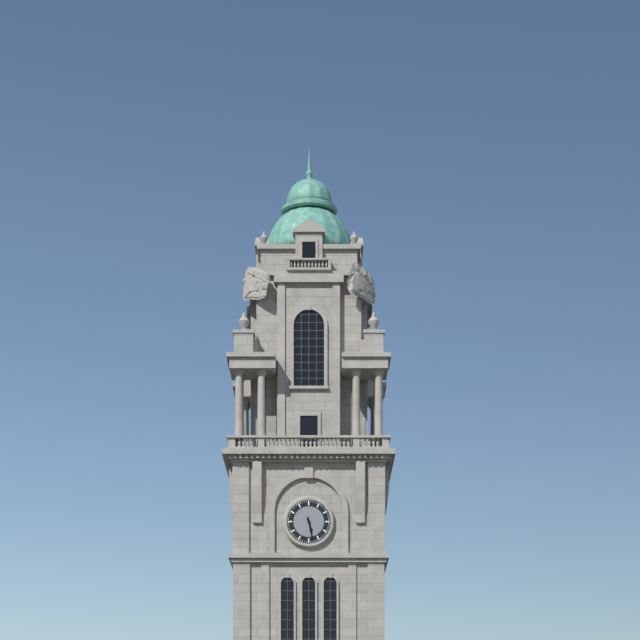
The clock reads {"hour": 5, "minute": 28}
